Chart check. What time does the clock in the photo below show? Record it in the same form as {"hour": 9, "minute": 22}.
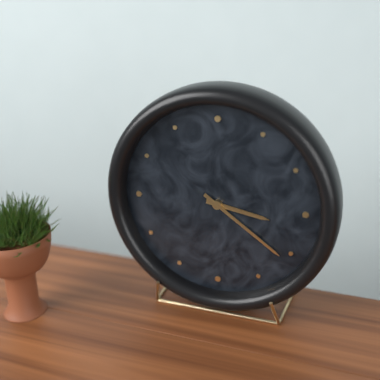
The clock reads {"hour": 3, "minute": 21}
